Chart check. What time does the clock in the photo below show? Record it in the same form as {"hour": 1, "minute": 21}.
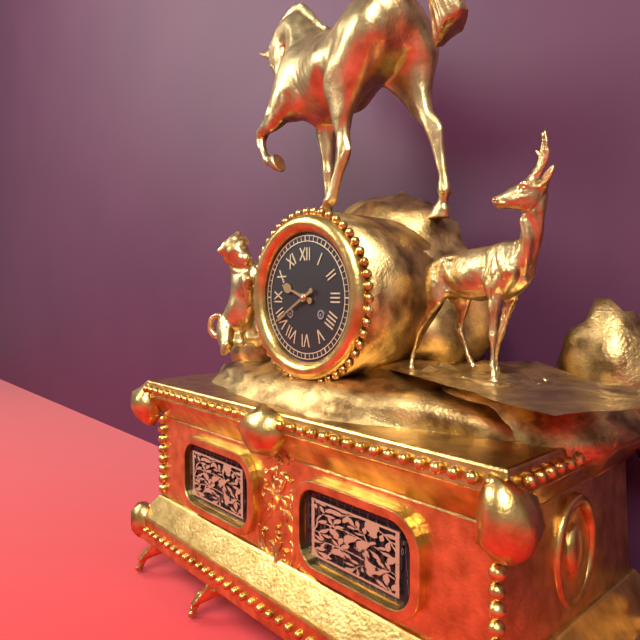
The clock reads {"hour": 9, "minute": 40}
